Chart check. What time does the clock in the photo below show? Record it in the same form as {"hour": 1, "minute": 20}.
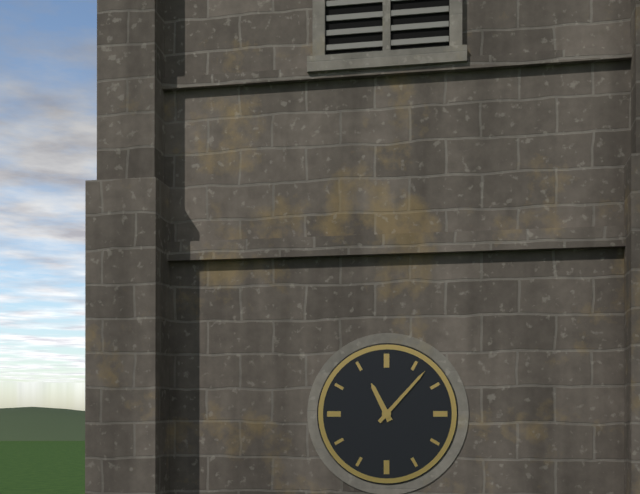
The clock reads {"hour": 11, "minute": 7}
